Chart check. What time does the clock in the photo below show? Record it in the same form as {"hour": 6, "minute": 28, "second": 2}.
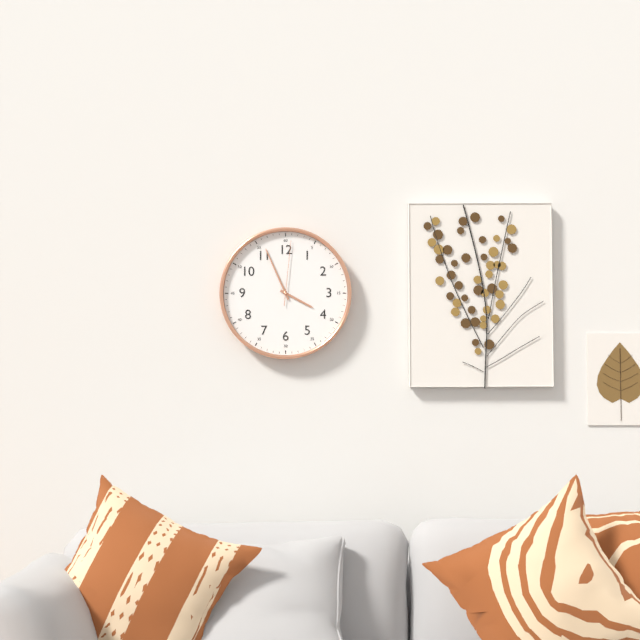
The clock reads {"hour": 3, "minute": 56, "second": 1}
